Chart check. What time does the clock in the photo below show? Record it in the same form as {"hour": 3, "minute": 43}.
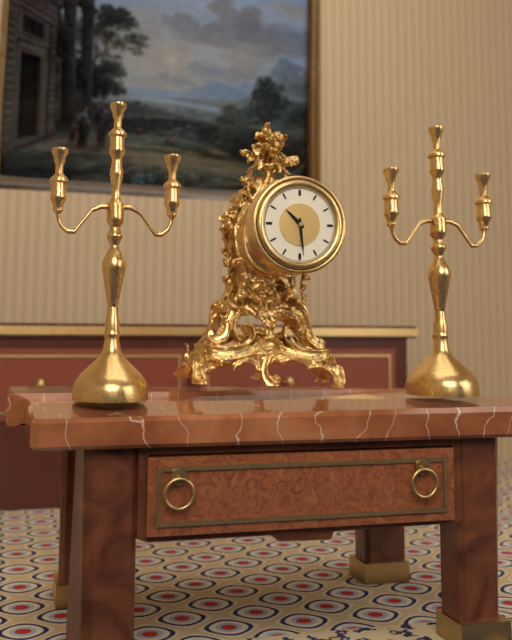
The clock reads {"hour": 10, "minute": 29}
